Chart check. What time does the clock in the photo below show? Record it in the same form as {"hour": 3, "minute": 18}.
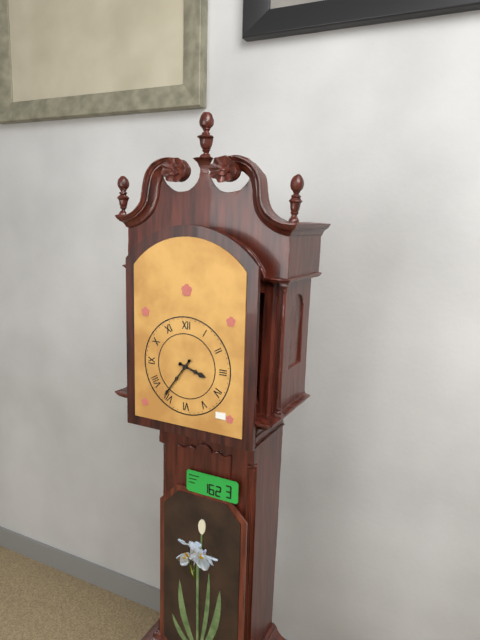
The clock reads {"hour": 3, "minute": 36}
